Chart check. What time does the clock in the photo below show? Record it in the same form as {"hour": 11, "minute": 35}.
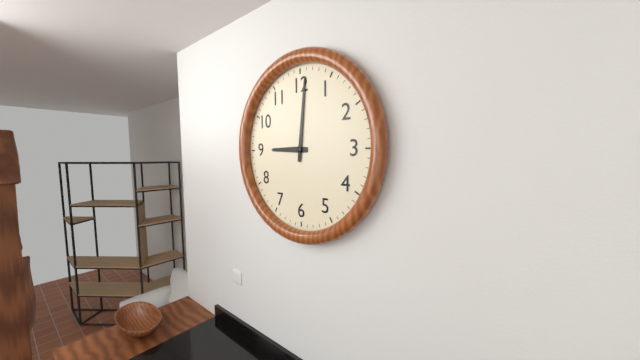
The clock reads {"hour": 9, "minute": 1}
